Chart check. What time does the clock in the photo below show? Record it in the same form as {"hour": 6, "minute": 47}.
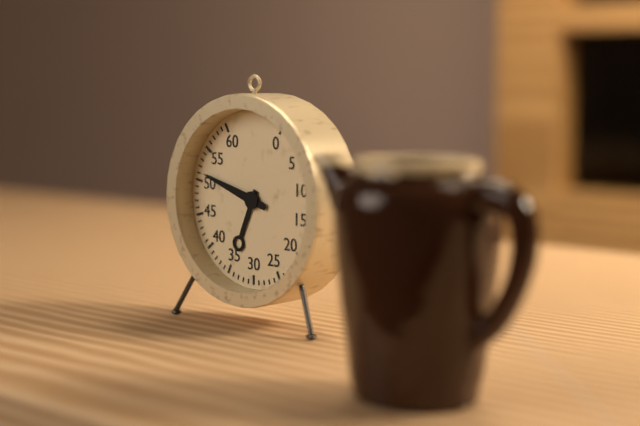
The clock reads {"hour": 6, "minute": 48}
